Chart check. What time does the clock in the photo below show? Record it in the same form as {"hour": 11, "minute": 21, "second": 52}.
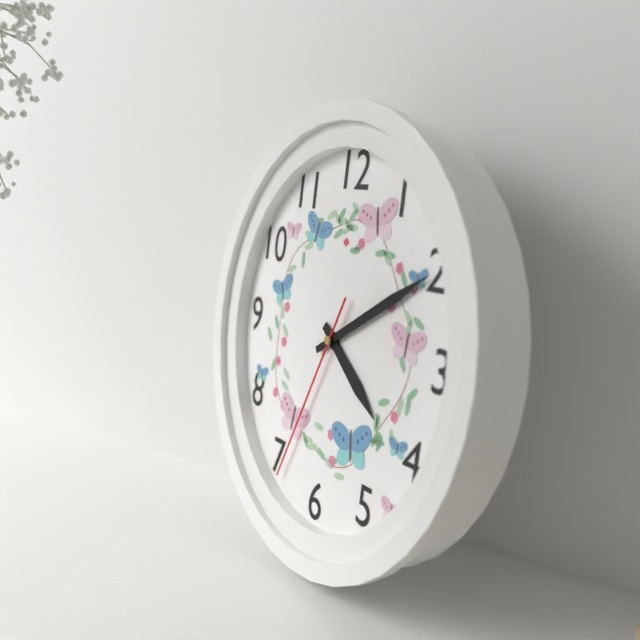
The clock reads {"hour": 4, "minute": 10, "second": 34}
